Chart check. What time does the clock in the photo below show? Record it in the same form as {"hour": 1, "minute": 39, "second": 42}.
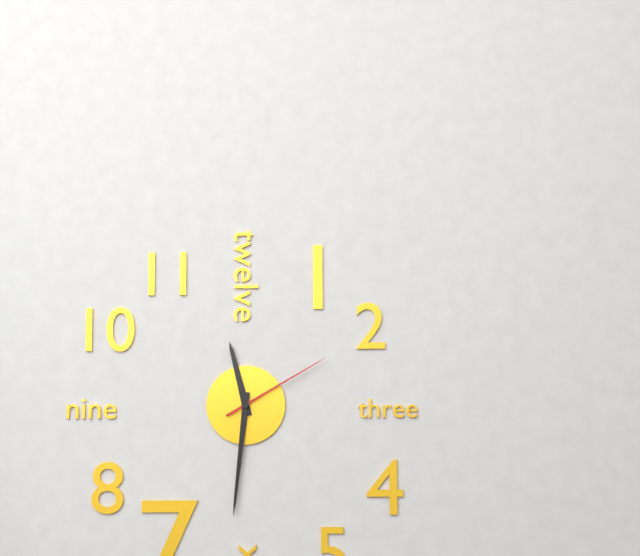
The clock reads {"hour": 11, "minute": 31, "second": 10}
